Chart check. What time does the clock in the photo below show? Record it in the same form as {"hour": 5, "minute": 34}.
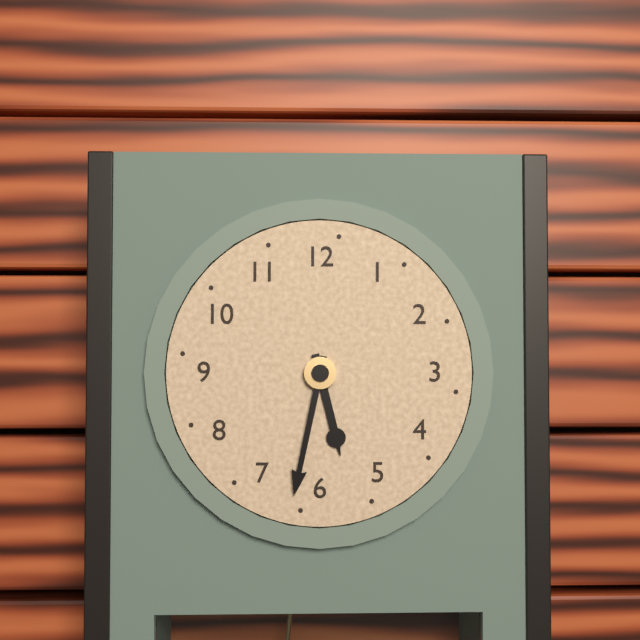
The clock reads {"hour": 5, "minute": 32}
